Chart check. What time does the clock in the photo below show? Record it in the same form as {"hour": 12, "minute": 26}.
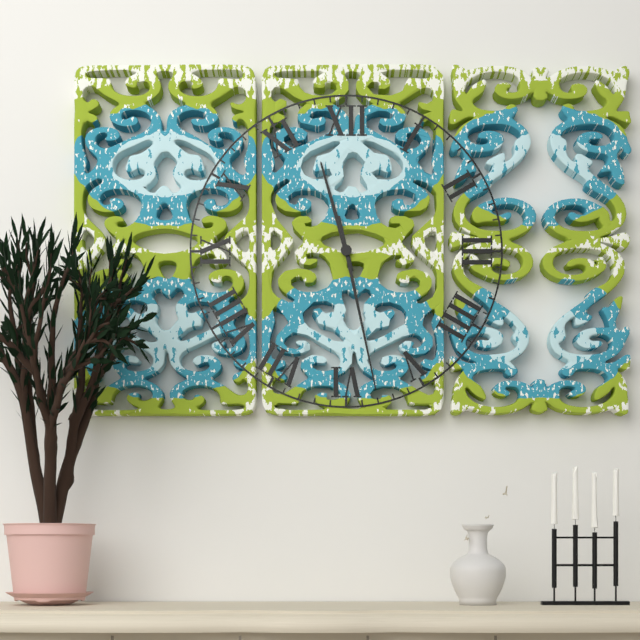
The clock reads {"hour": 11, "minute": 28}
